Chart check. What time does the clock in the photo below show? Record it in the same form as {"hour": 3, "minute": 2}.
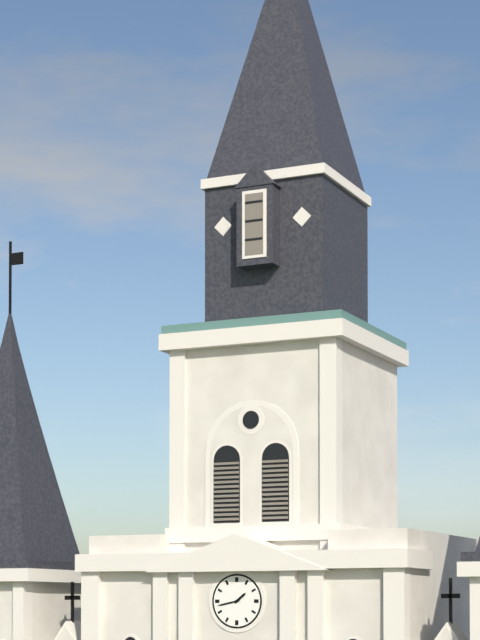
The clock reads {"hour": 1, "minute": 43}
